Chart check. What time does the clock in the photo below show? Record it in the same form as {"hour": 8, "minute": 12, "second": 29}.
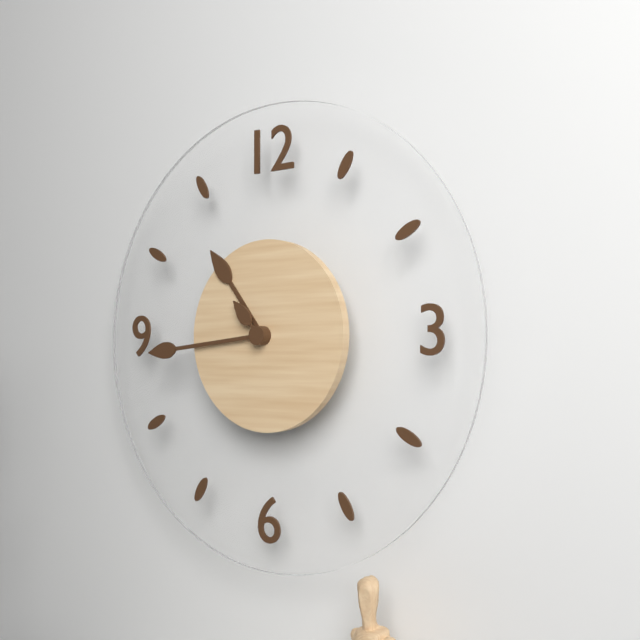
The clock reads {"hour": 10, "minute": 44, "second": 53}
